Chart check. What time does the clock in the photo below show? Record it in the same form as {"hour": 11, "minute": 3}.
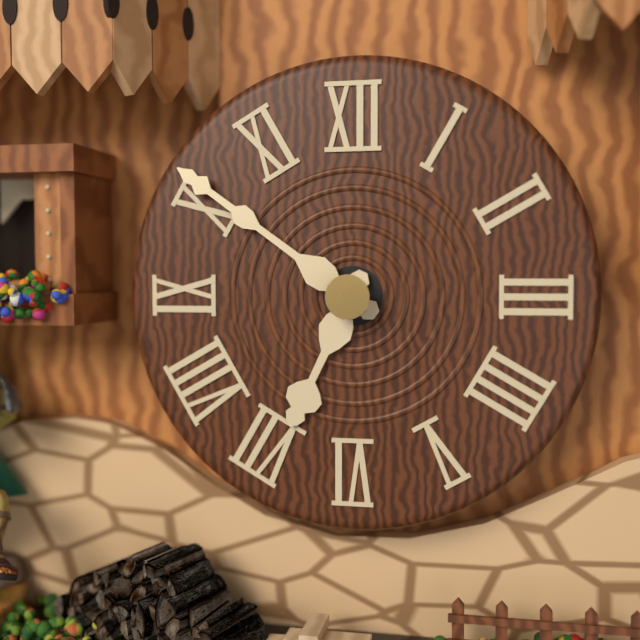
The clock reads {"hour": 6, "minute": 51}
